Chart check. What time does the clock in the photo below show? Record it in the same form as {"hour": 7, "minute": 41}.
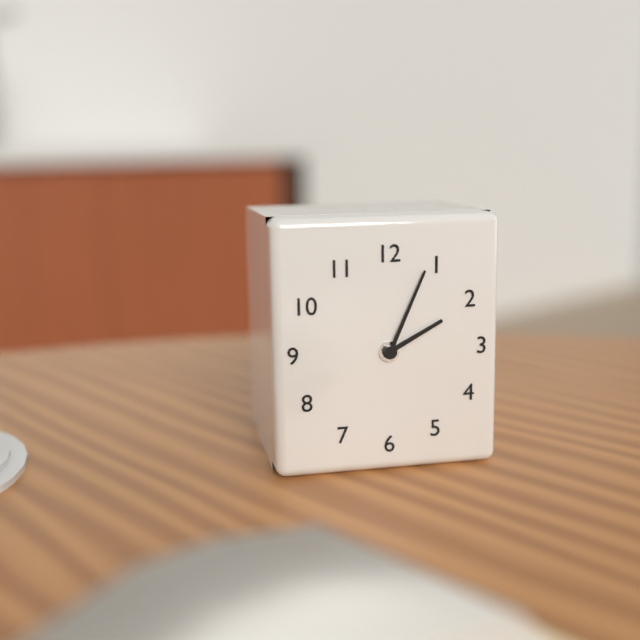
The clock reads {"hour": 2, "minute": 4}
